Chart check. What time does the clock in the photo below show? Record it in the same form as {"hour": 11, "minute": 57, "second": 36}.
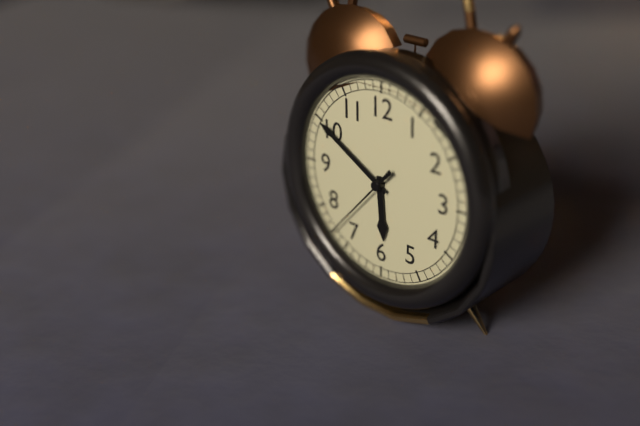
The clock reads {"hour": 5, "minute": 50, "second": 37}
